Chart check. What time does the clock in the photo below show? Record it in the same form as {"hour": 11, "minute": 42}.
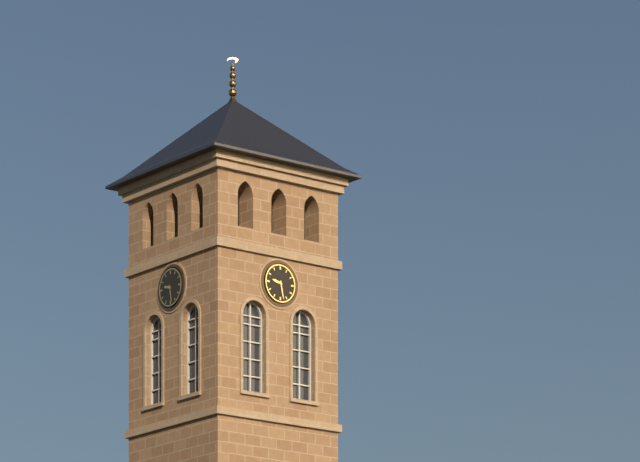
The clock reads {"hour": 9, "minute": 28}
